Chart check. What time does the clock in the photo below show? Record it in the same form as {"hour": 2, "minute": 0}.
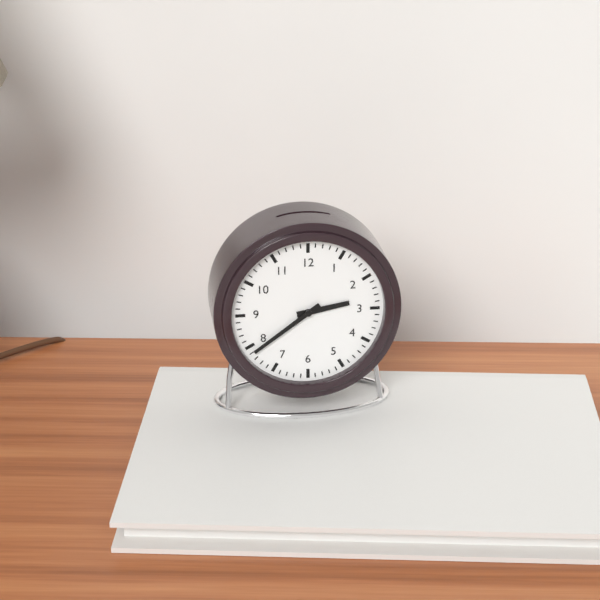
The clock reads {"hour": 2, "minute": 39}
